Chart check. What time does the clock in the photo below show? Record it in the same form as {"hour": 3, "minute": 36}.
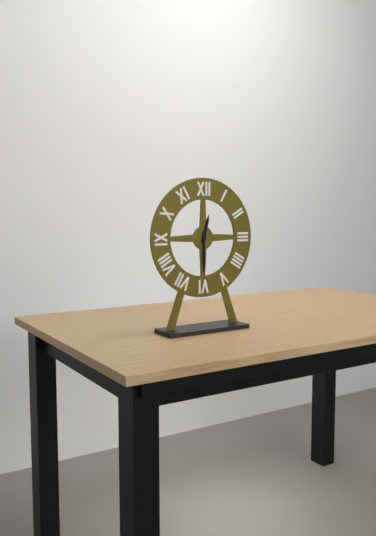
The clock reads {"hour": 12, "minute": 30}
